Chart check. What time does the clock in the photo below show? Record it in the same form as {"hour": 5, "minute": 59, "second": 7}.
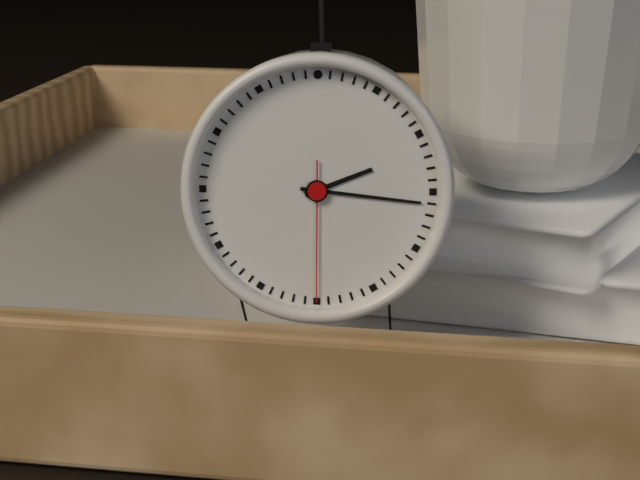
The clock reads {"hour": 2, "minute": 16, "second": 30}
